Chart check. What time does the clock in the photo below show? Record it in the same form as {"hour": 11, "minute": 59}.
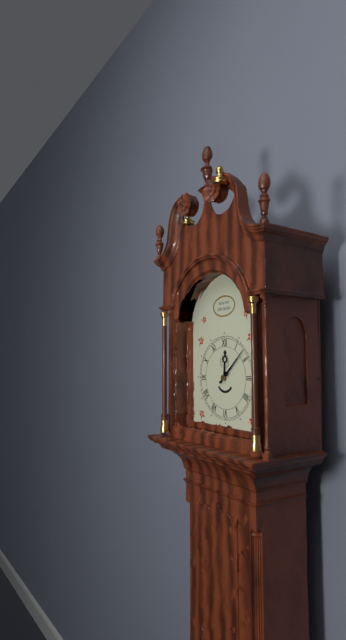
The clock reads {"hour": 12, "minute": 8}
